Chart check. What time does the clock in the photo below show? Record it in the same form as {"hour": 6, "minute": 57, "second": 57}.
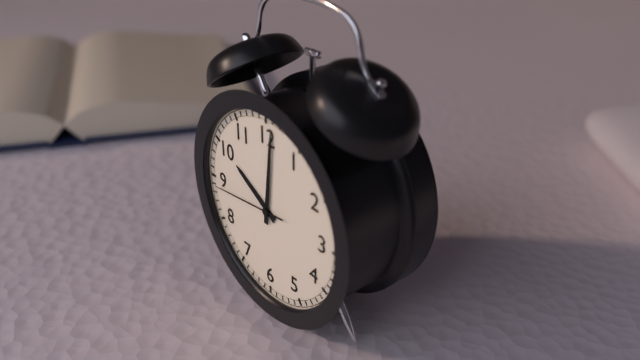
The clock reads {"hour": 10, "minute": 1, "second": 44}
